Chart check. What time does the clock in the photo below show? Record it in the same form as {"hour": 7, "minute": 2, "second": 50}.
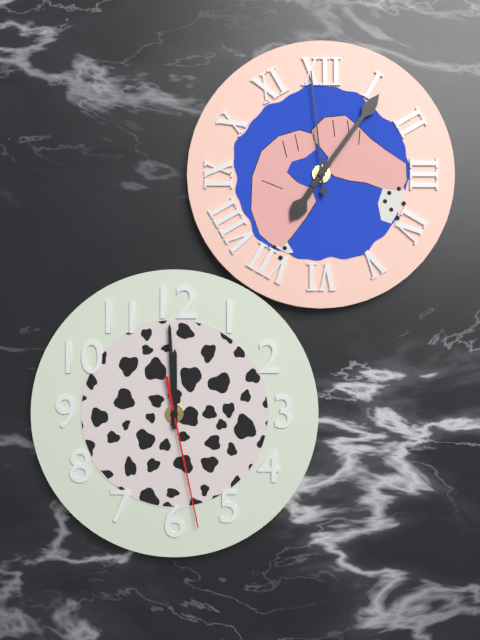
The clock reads {"hour": 7, "minute": 6, "second": 59}
